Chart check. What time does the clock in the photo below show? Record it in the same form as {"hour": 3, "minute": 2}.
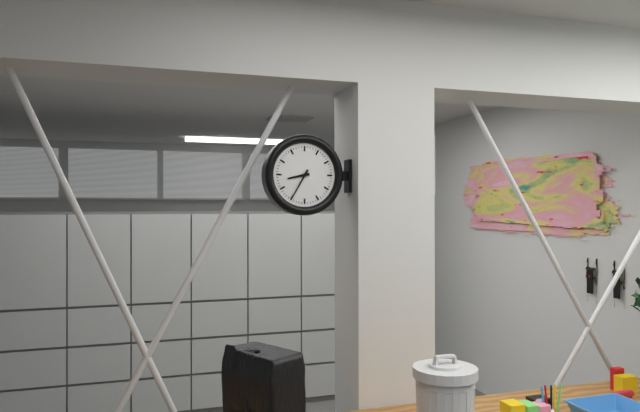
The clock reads {"hour": 8, "minute": 35}
